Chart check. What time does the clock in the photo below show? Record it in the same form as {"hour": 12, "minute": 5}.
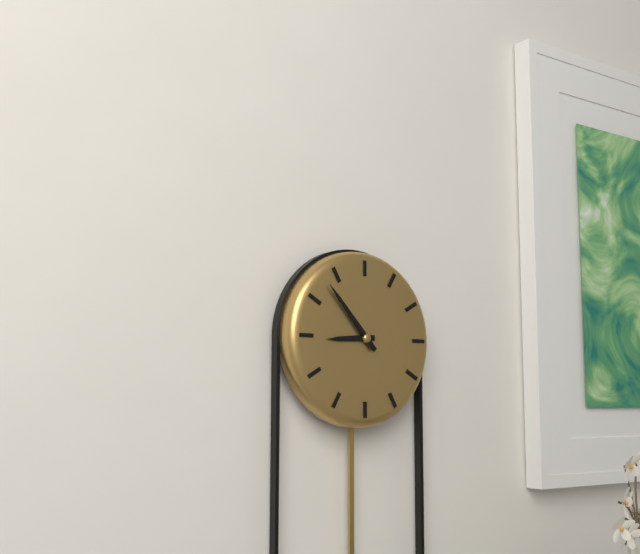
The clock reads {"hour": 8, "minute": 53}
